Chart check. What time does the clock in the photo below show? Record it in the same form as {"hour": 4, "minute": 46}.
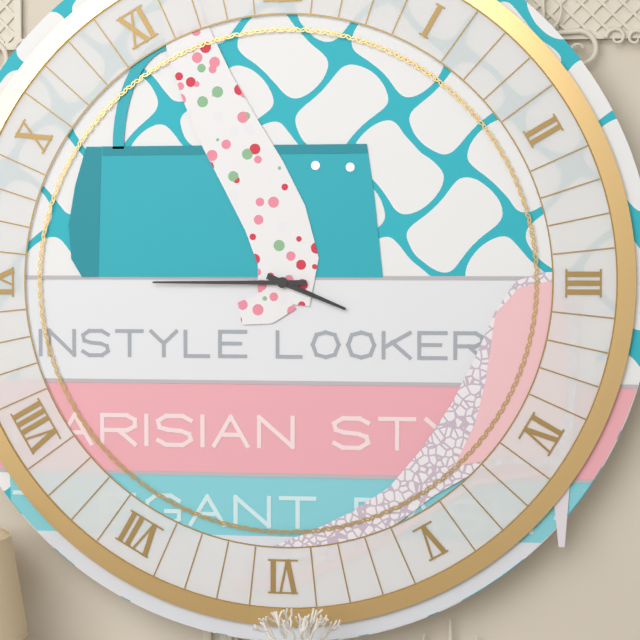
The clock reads {"hour": 3, "minute": 45}
